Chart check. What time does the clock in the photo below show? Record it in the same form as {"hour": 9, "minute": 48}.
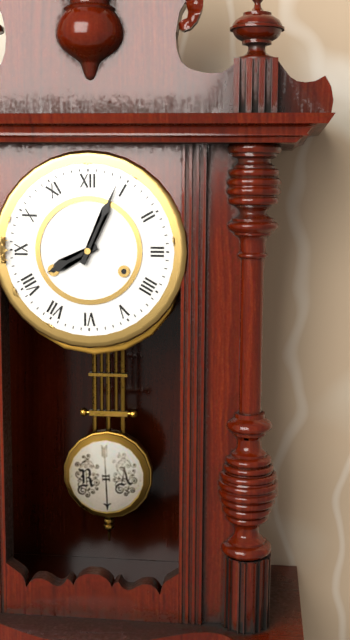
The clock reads {"hour": 8, "minute": 4}
